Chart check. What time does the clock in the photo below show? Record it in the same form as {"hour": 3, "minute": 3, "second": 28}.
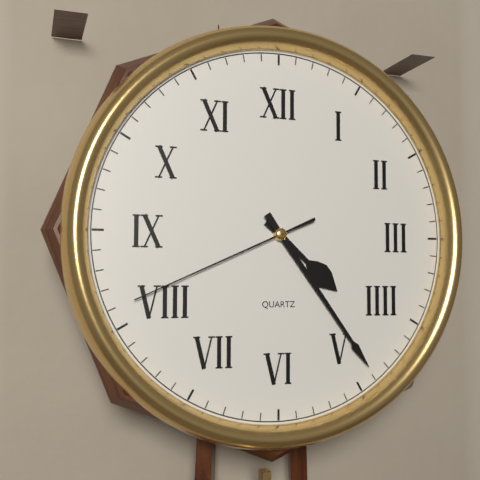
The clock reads {"hour": 4, "minute": 24, "second": 41}
